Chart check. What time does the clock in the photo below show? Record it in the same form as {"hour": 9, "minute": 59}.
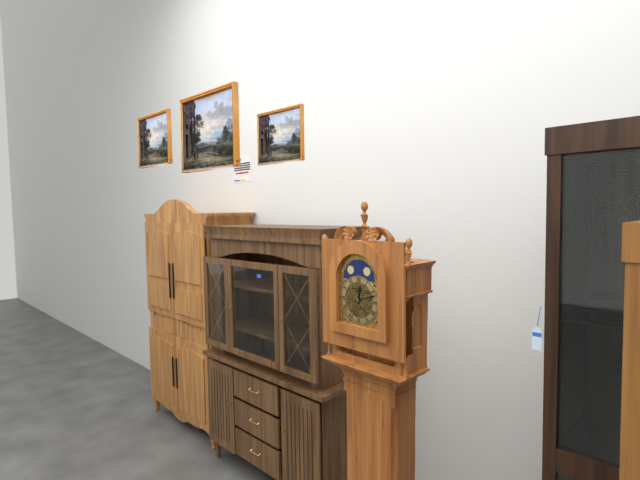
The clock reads {"hour": 12, "minute": 12}
